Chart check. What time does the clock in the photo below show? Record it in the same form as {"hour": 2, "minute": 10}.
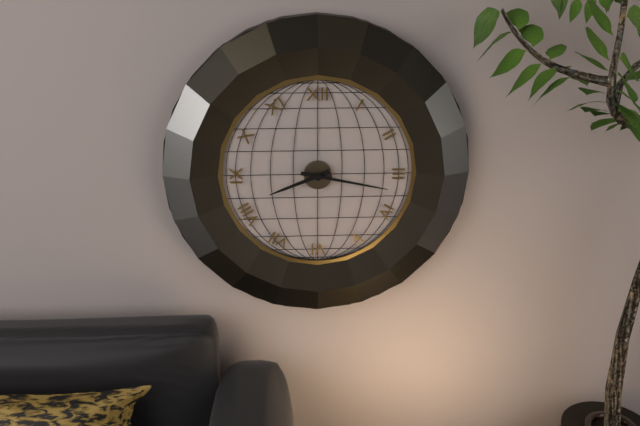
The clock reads {"hour": 8, "minute": 17}
